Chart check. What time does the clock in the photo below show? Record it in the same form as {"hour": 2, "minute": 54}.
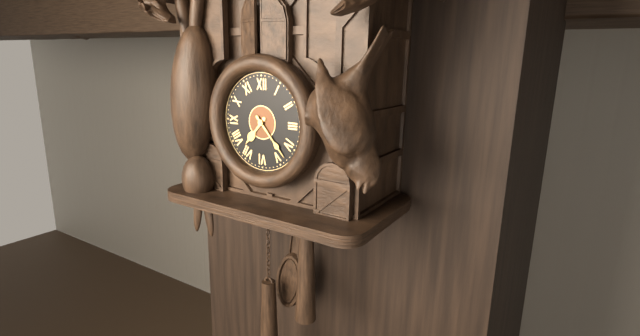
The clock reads {"hour": 7, "minute": 23}
